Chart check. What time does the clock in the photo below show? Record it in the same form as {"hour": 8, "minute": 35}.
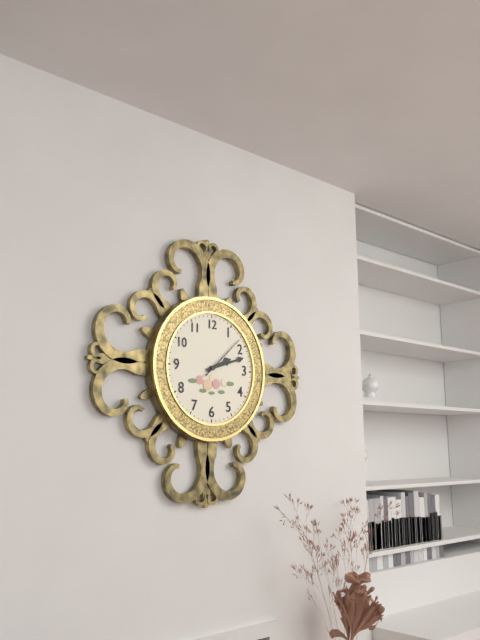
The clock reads {"hour": 2, "minute": 12}
